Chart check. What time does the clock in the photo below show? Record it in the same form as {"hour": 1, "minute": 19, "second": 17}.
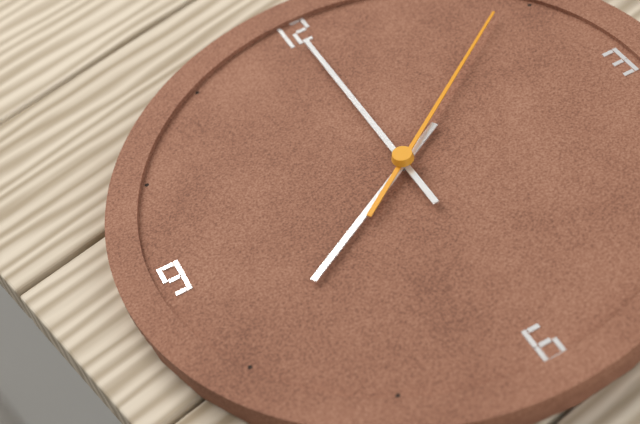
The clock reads {"hour": 8, "minute": 0, "second": 9}
